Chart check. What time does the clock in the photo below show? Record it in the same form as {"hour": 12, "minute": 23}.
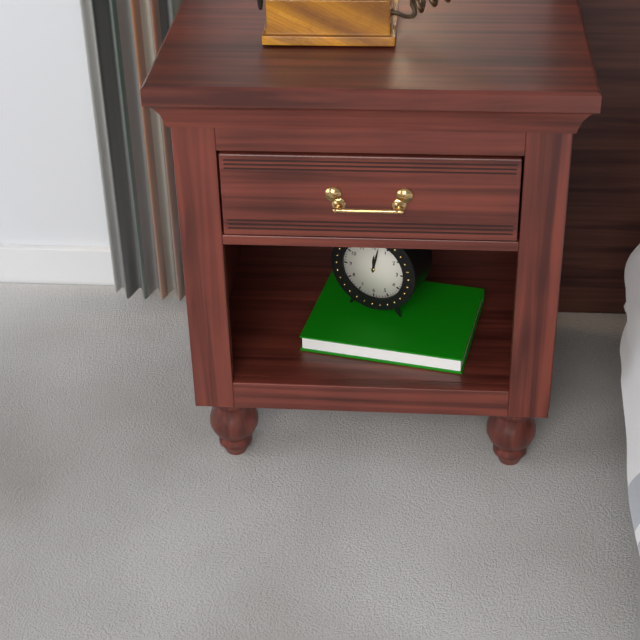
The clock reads {"hour": 12, "minute": 2}
